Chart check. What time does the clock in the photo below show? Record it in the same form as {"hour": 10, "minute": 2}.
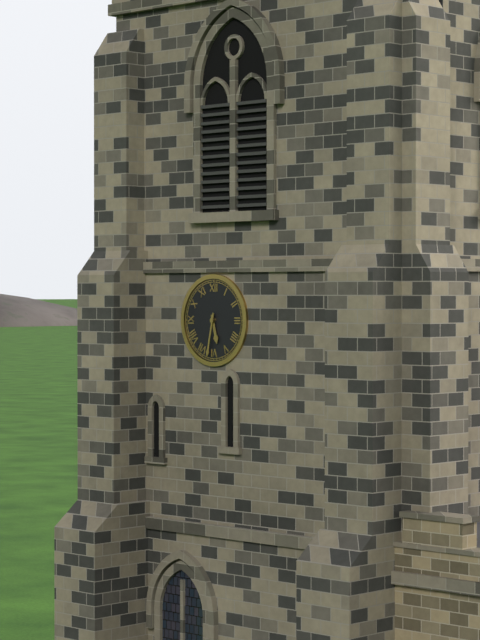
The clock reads {"hour": 5, "minute": 32}
